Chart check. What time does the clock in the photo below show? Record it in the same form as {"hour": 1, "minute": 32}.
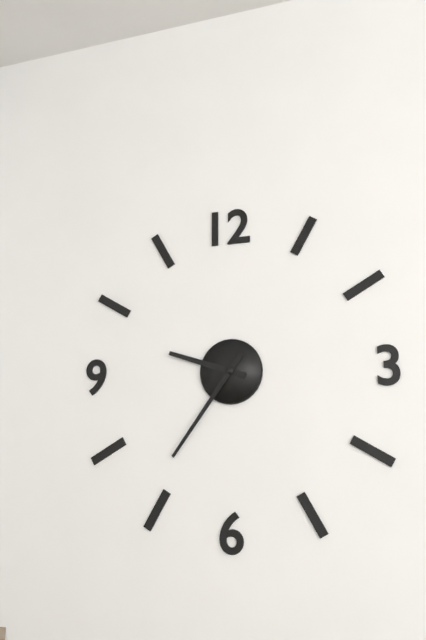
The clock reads {"hour": 9, "minute": 36}
